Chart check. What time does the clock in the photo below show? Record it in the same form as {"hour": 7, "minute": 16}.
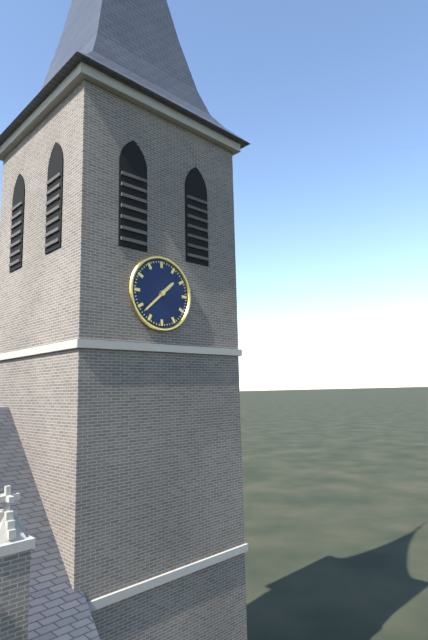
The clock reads {"hour": 1, "minute": 38}
